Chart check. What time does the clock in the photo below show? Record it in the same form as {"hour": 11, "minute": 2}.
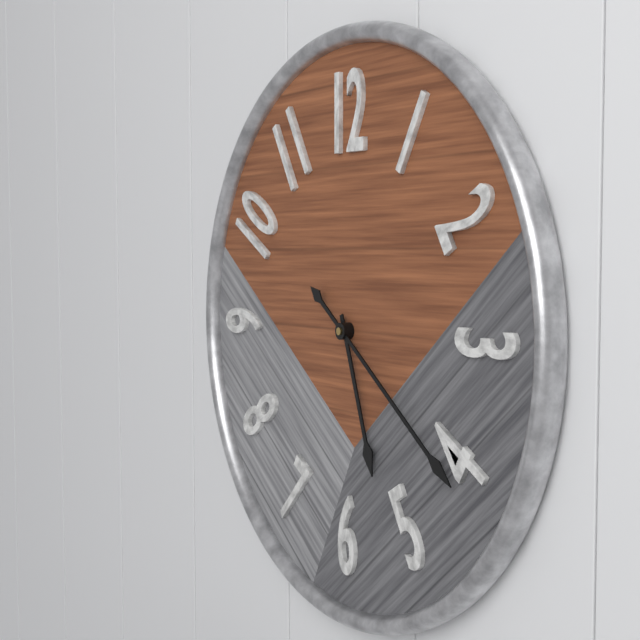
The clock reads {"hour": 5, "minute": 21}
